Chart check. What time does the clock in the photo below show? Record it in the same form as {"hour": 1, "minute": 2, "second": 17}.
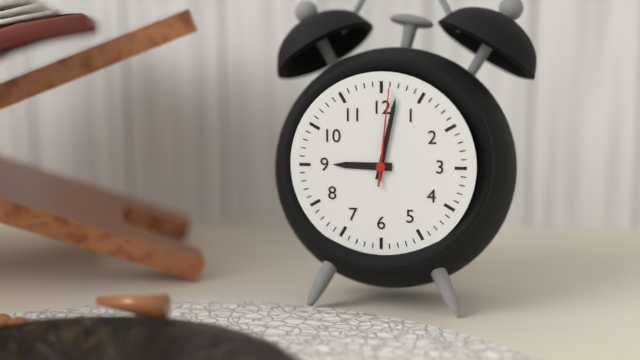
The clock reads {"hour": 9, "minute": 2, "second": 1}
